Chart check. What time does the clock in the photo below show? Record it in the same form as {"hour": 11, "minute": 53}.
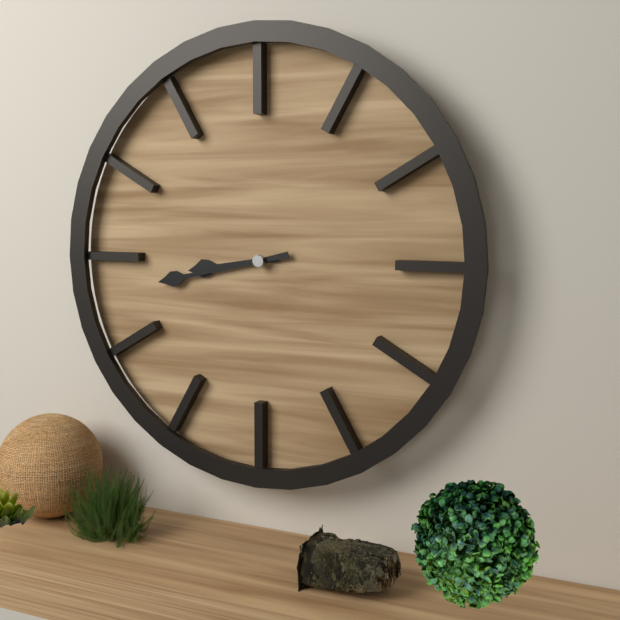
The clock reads {"hour": 8, "minute": 43}
